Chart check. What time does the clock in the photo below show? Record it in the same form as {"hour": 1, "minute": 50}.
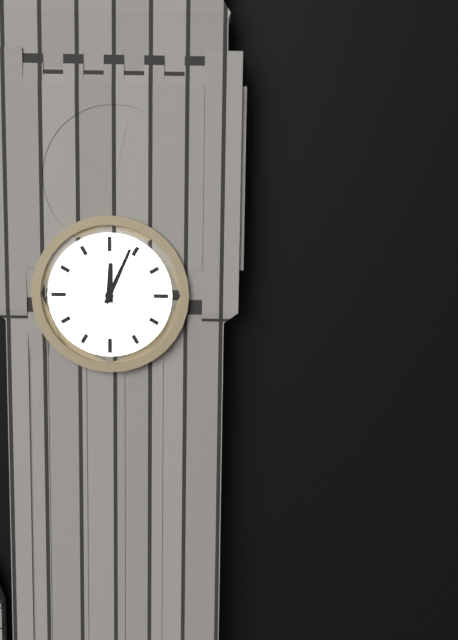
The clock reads {"hour": 12, "minute": 4}
